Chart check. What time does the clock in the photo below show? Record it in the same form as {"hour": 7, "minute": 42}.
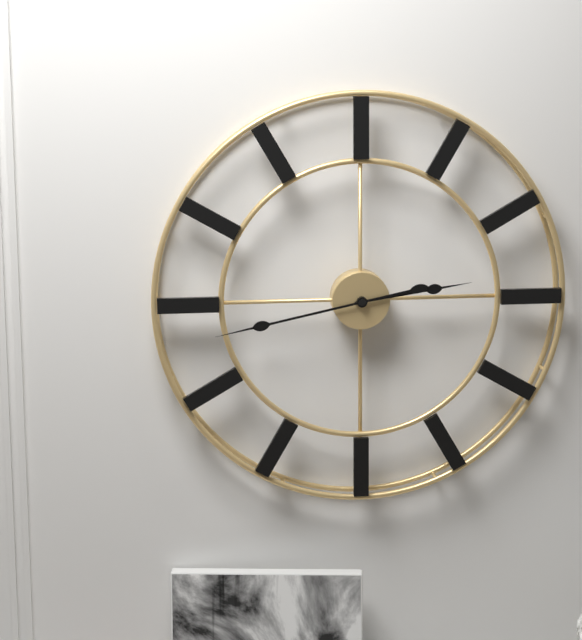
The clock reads {"hour": 2, "minute": 43}
